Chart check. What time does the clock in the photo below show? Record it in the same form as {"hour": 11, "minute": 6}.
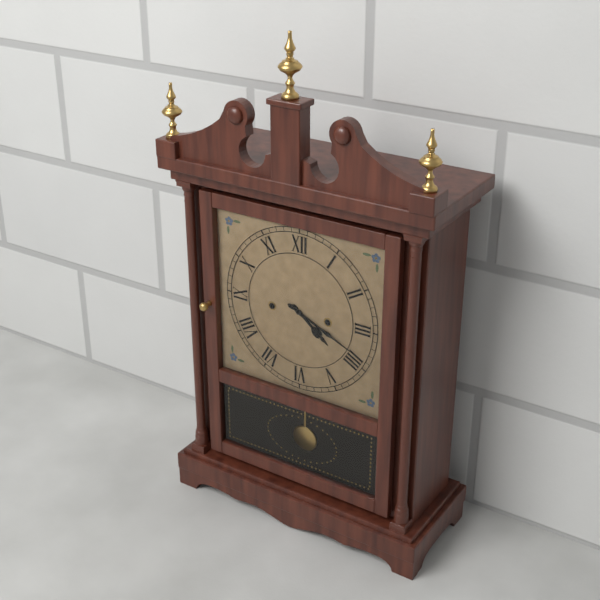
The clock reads {"hour": 4, "minute": 19}
